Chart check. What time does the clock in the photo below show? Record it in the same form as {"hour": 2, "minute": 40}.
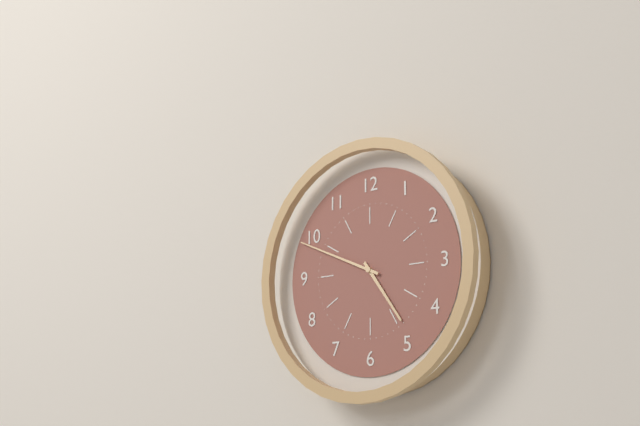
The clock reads {"hour": 4, "minute": 49}
